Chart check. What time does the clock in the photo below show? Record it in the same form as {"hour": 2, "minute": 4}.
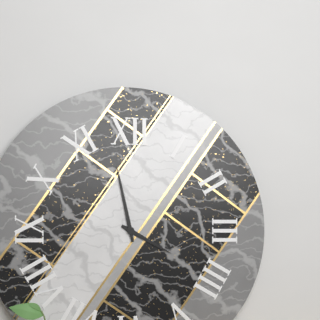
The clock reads {"hour": 3, "minute": 58}
